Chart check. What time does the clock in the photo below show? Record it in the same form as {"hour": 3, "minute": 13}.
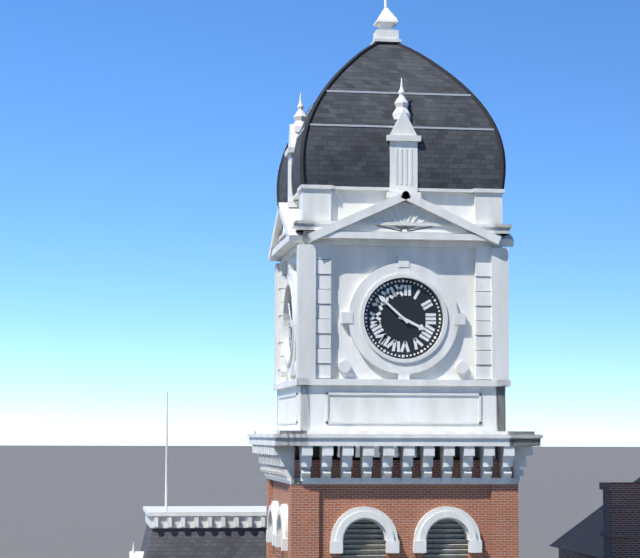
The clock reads {"hour": 3, "minute": 52}
